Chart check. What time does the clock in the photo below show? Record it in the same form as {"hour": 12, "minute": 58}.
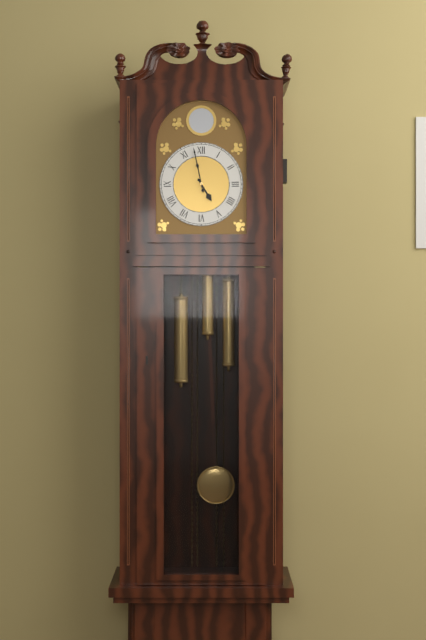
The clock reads {"hour": 4, "minute": 58}
